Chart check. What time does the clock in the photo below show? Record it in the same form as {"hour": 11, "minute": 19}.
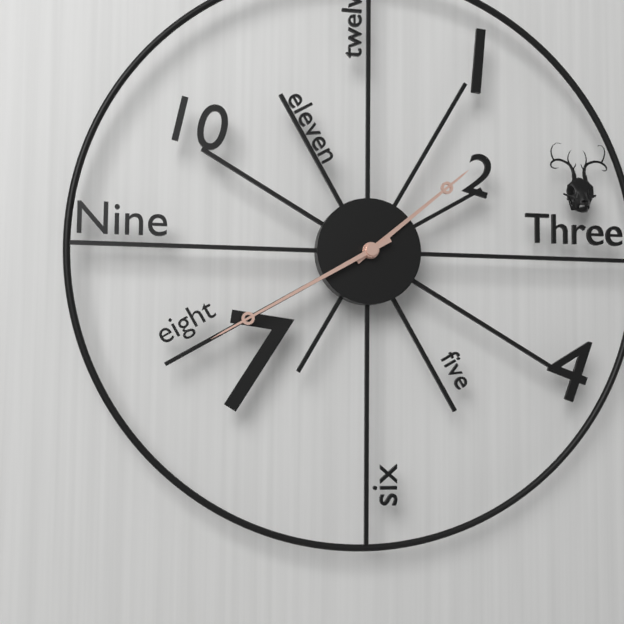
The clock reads {"hour": 1, "minute": 40}
